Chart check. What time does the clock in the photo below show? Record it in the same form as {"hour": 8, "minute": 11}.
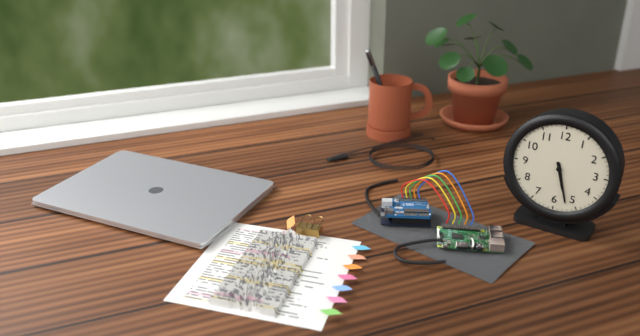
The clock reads {"hour": 5, "minute": 27}
